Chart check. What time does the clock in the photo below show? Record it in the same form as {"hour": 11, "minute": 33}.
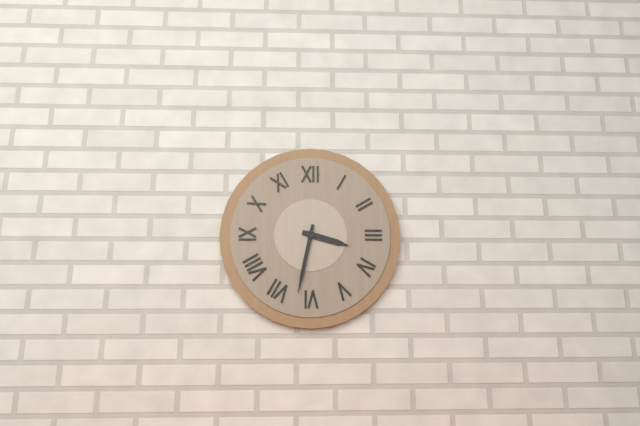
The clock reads {"hour": 3, "minute": 32}
